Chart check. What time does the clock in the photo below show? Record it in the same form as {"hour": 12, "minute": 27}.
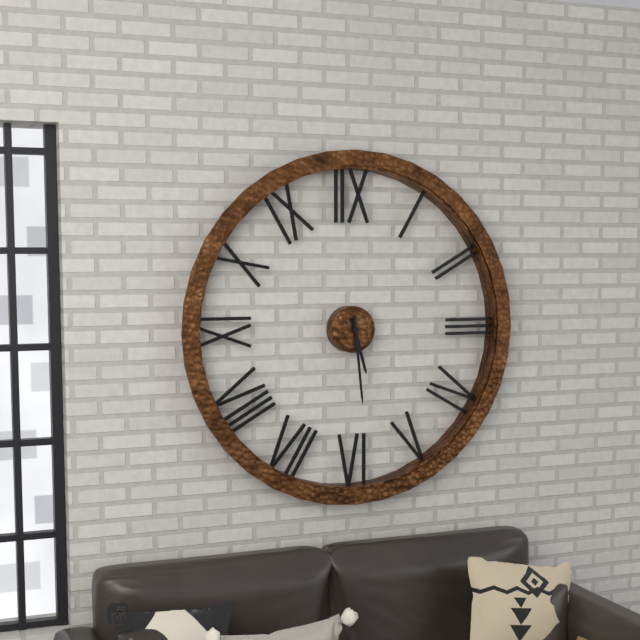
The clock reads {"hour": 5, "minute": 29}
